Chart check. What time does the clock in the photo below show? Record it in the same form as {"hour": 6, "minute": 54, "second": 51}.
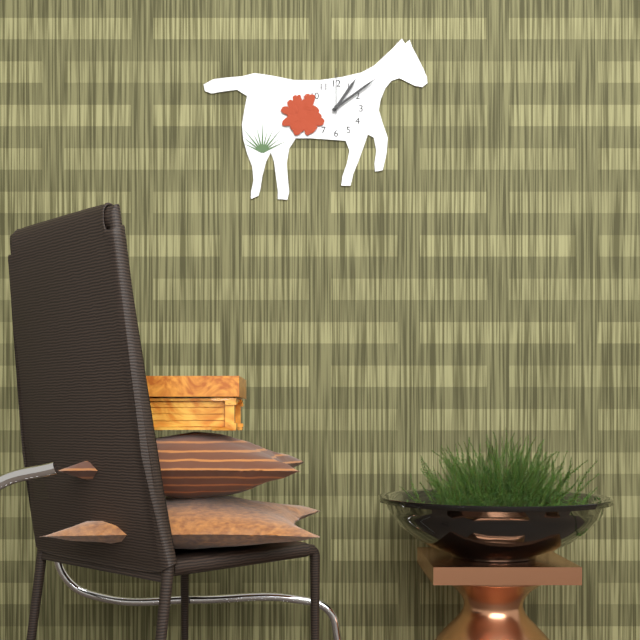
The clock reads {"hour": 1, "minute": 9, "second": 0}
